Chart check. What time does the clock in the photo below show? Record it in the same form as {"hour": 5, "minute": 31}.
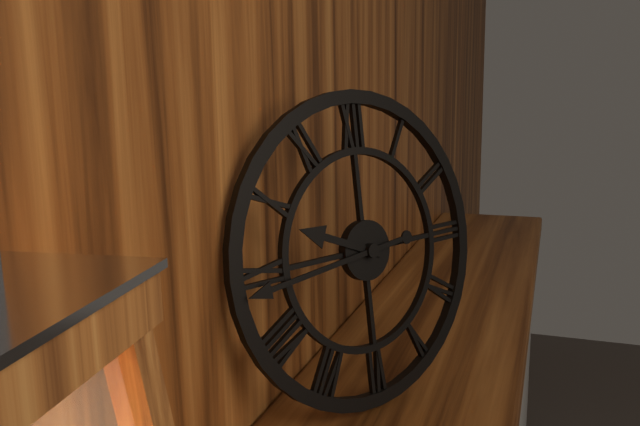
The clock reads {"hour": 9, "minute": 44}
